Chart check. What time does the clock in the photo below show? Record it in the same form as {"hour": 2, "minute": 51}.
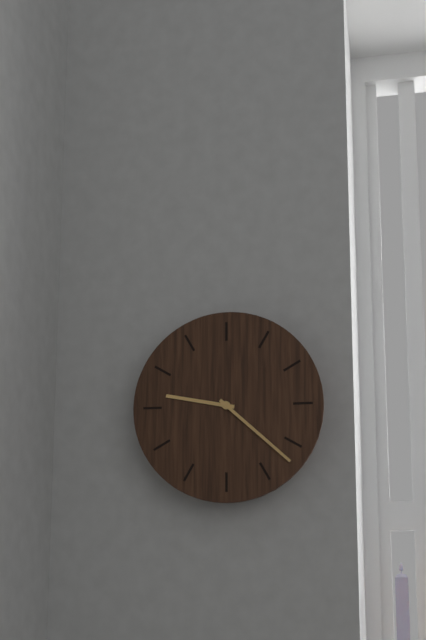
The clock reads {"hour": 9, "minute": 22}
